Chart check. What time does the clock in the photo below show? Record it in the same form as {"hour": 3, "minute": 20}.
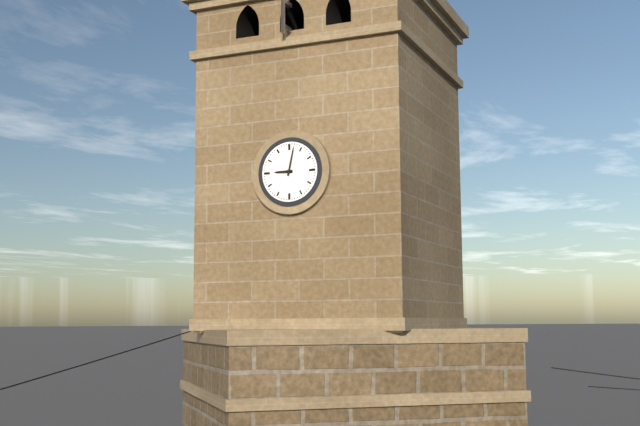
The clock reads {"hour": 9, "minute": 2}
